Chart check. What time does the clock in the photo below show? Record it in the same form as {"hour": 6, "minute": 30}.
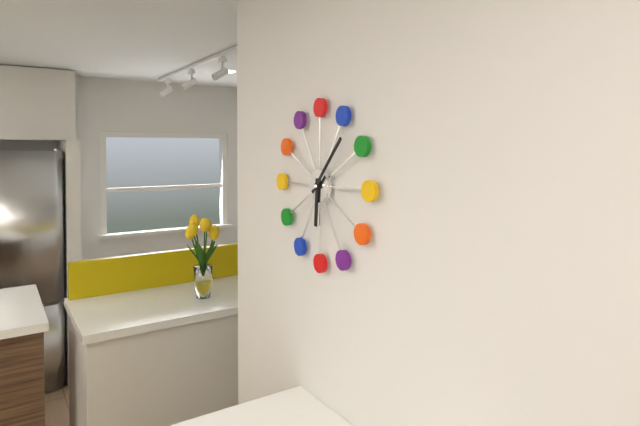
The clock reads {"hour": 6, "minute": 7}
